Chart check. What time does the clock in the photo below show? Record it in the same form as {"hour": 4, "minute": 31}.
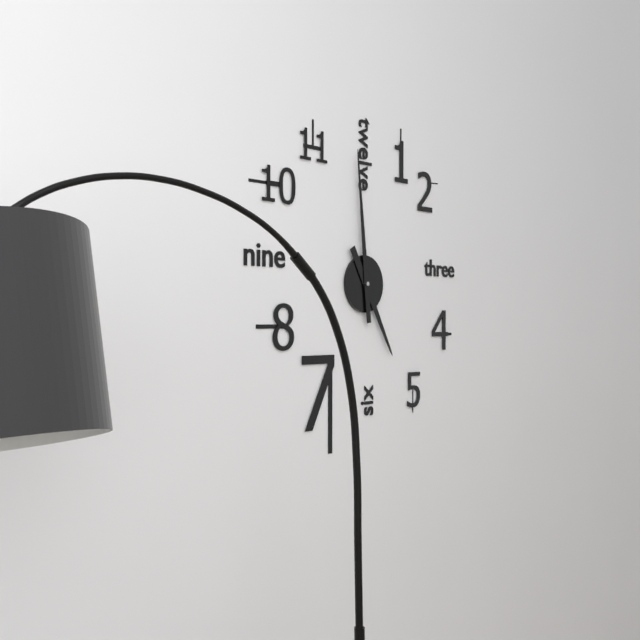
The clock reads {"hour": 4, "minute": 59}
